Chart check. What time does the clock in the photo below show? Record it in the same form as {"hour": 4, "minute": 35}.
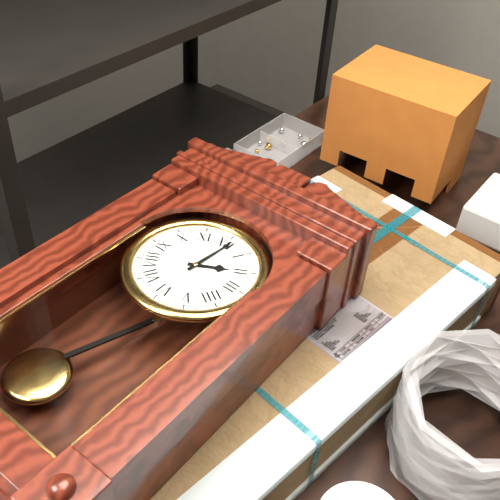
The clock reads {"hour": 2, "minute": 1}
